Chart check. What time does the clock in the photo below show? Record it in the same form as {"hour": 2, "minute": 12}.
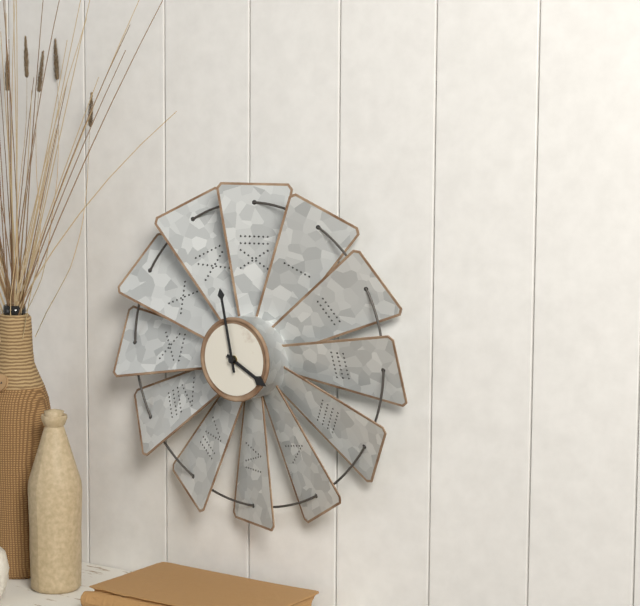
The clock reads {"hour": 3, "minute": 58}
